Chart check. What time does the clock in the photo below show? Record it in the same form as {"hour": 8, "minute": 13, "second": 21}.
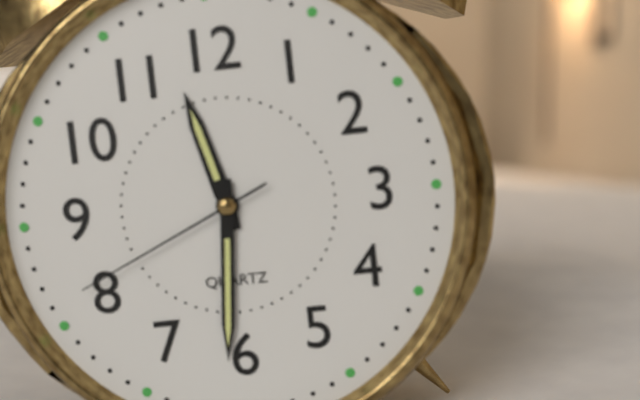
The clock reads {"hour": 11, "minute": 31, "second": 41}
